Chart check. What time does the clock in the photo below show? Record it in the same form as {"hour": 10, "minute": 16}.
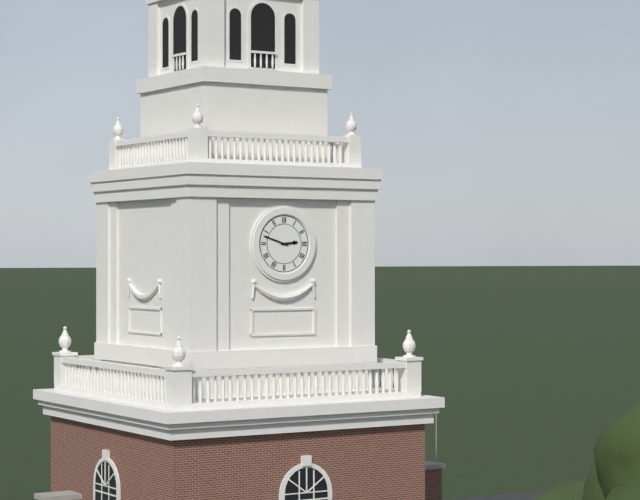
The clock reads {"hour": 2, "minute": 48}
